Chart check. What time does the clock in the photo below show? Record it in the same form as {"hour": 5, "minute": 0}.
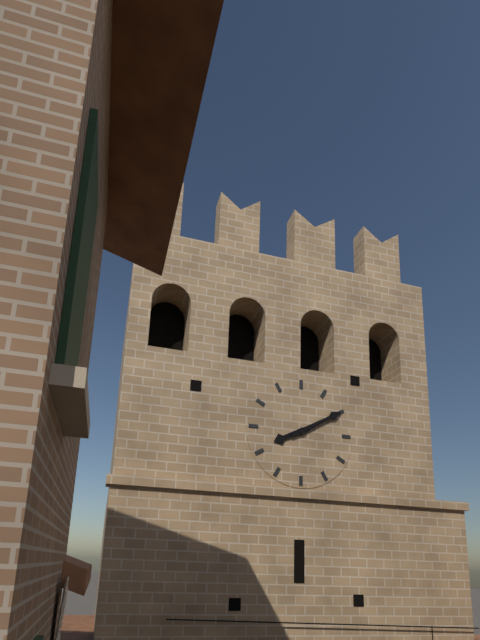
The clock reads {"hour": 8, "minute": 10}
